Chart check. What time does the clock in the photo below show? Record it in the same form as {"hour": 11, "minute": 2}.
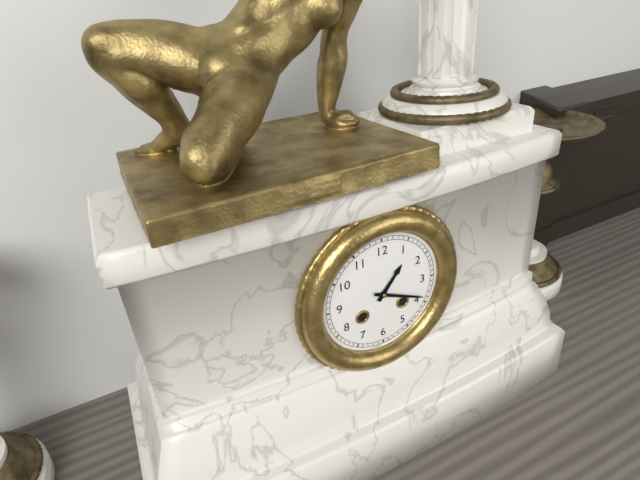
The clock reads {"hour": 1, "minute": 19}
